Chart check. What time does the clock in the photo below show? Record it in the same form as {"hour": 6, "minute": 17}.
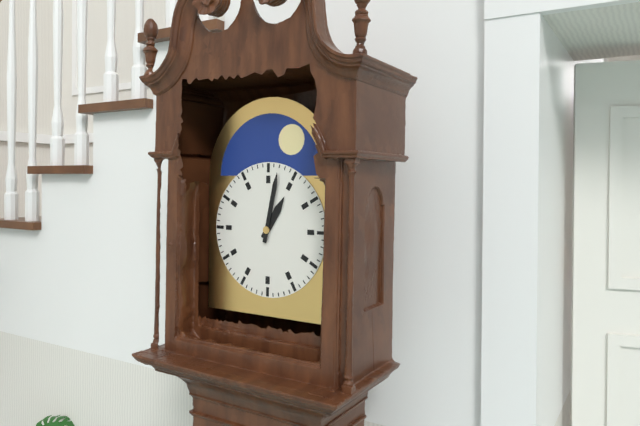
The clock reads {"hour": 1, "minute": 2}
